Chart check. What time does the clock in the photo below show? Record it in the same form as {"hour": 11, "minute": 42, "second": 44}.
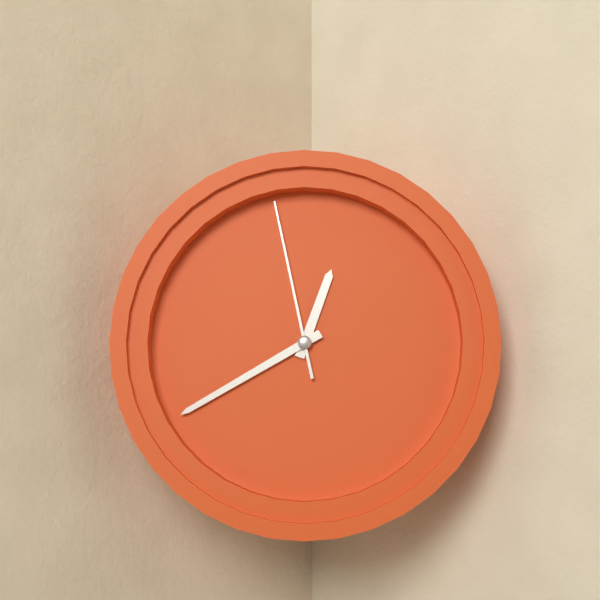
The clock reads {"hour": 12, "minute": 40, "second": 58}
